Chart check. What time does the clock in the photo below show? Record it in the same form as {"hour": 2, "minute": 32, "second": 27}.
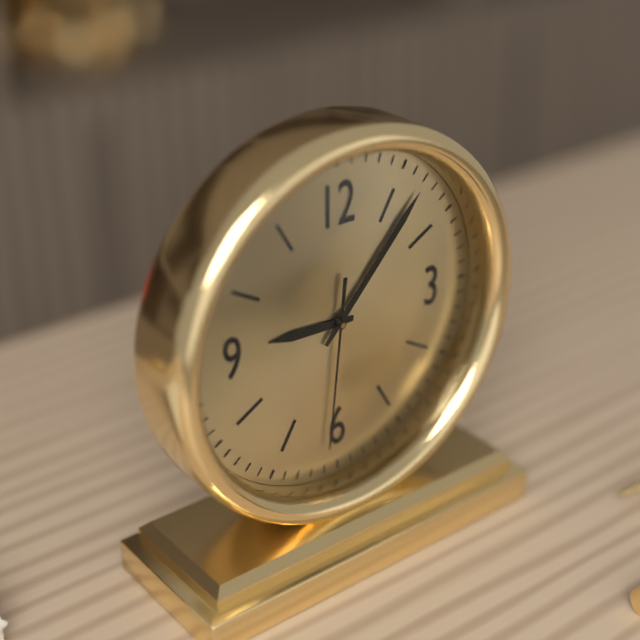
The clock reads {"hour": 9, "minute": 7, "second": 31}
